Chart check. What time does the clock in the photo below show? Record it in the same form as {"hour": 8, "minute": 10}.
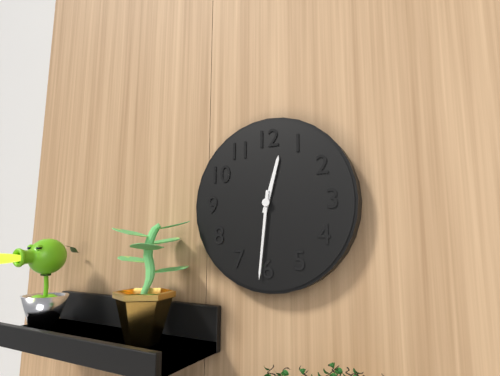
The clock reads {"hour": 12, "minute": 31}
